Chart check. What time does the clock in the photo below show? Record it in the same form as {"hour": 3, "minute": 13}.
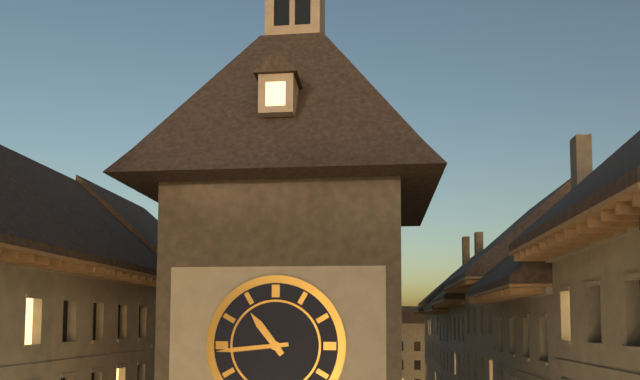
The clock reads {"hour": 10, "minute": 44}
